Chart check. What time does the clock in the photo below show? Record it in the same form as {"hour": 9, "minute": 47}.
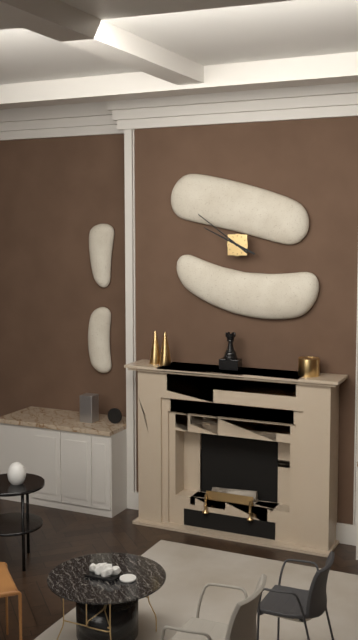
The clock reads {"hour": 9, "minute": 51}
